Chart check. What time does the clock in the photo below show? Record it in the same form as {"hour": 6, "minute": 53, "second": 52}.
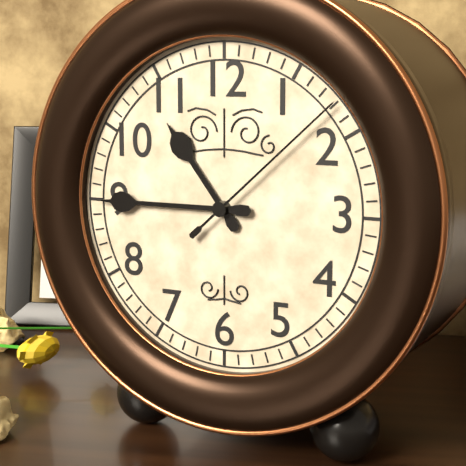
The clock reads {"hour": 10, "minute": 45, "second": 8}
